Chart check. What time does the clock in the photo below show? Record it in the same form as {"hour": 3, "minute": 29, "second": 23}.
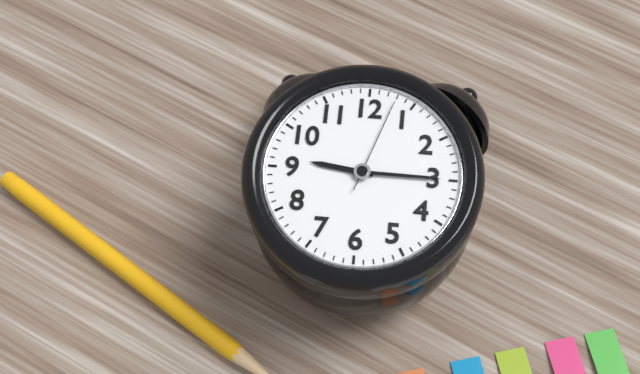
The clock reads {"hour": 9, "minute": 15, "second": 3}
